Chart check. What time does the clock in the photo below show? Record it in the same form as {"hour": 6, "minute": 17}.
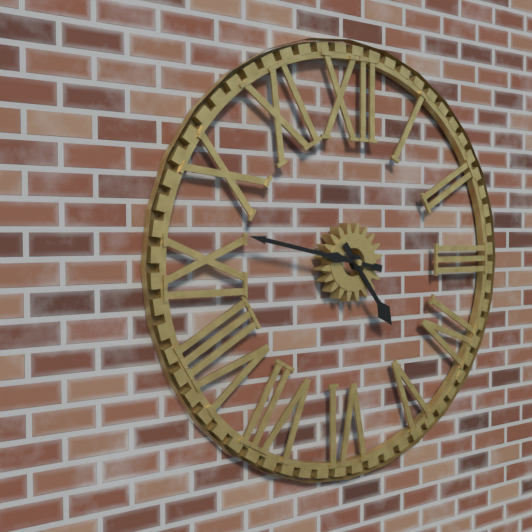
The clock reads {"hour": 4, "minute": 47}
